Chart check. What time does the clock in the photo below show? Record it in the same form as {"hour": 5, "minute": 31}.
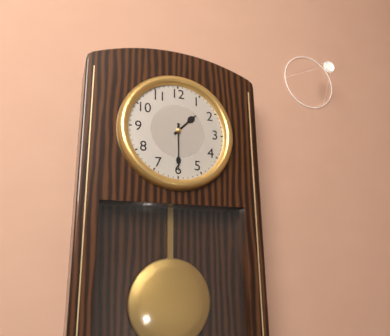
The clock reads {"hour": 1, "minute": 30}
